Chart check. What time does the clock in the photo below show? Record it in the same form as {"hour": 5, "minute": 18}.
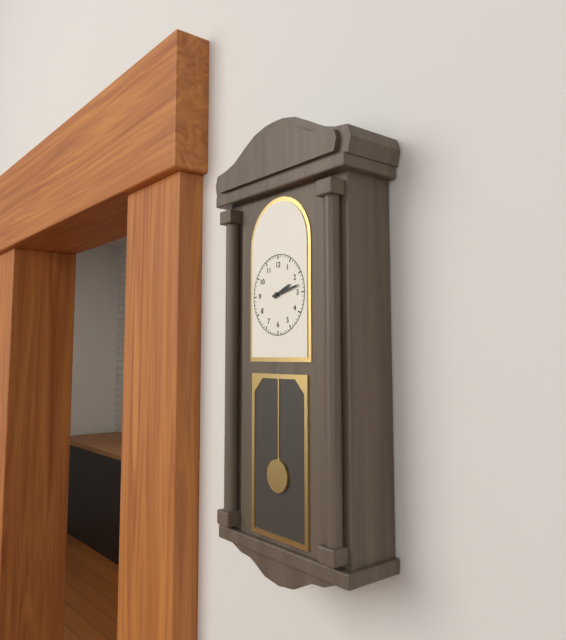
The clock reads {"hour": 2, "minute": 13}
